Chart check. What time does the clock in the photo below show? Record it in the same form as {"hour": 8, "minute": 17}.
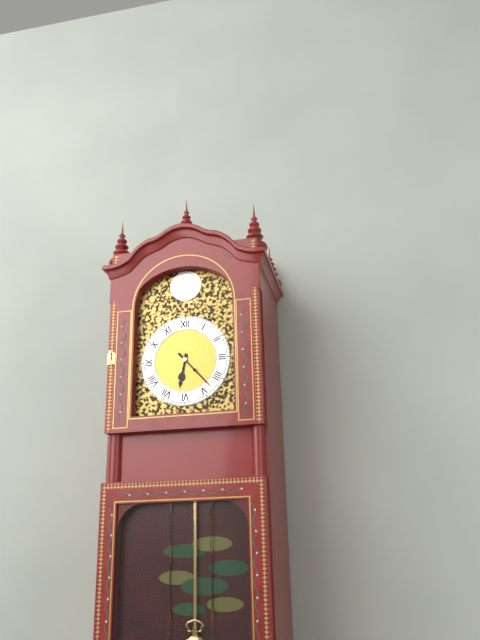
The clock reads {"hour": 6, "minute": 23}
